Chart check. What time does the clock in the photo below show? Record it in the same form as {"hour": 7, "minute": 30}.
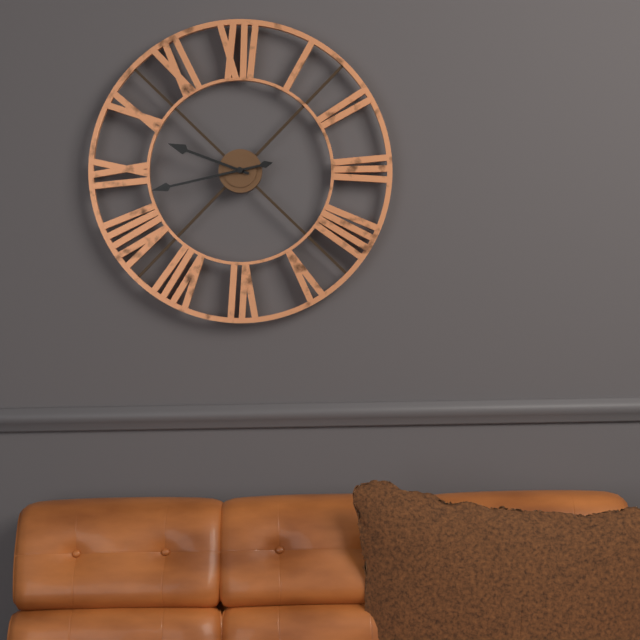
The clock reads {"hour": 9, "minute": 43}
